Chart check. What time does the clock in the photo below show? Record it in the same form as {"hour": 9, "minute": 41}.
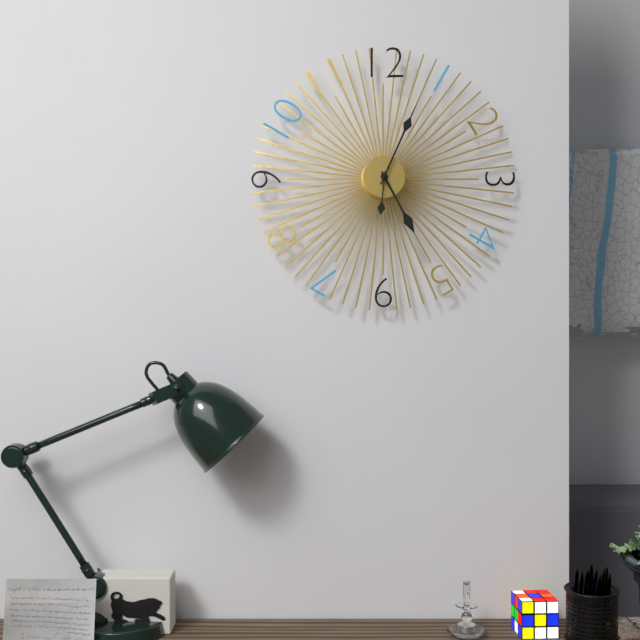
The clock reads {"hour": 5, "minute": 4}
